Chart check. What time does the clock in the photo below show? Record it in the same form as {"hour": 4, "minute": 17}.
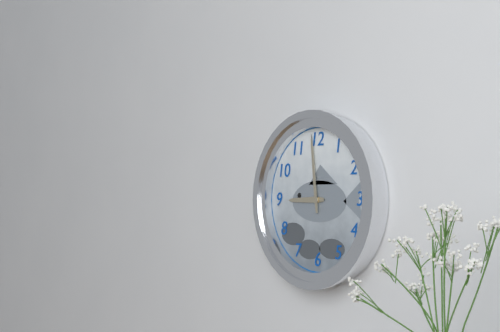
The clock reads {"hour": 8, "minute": 59}
